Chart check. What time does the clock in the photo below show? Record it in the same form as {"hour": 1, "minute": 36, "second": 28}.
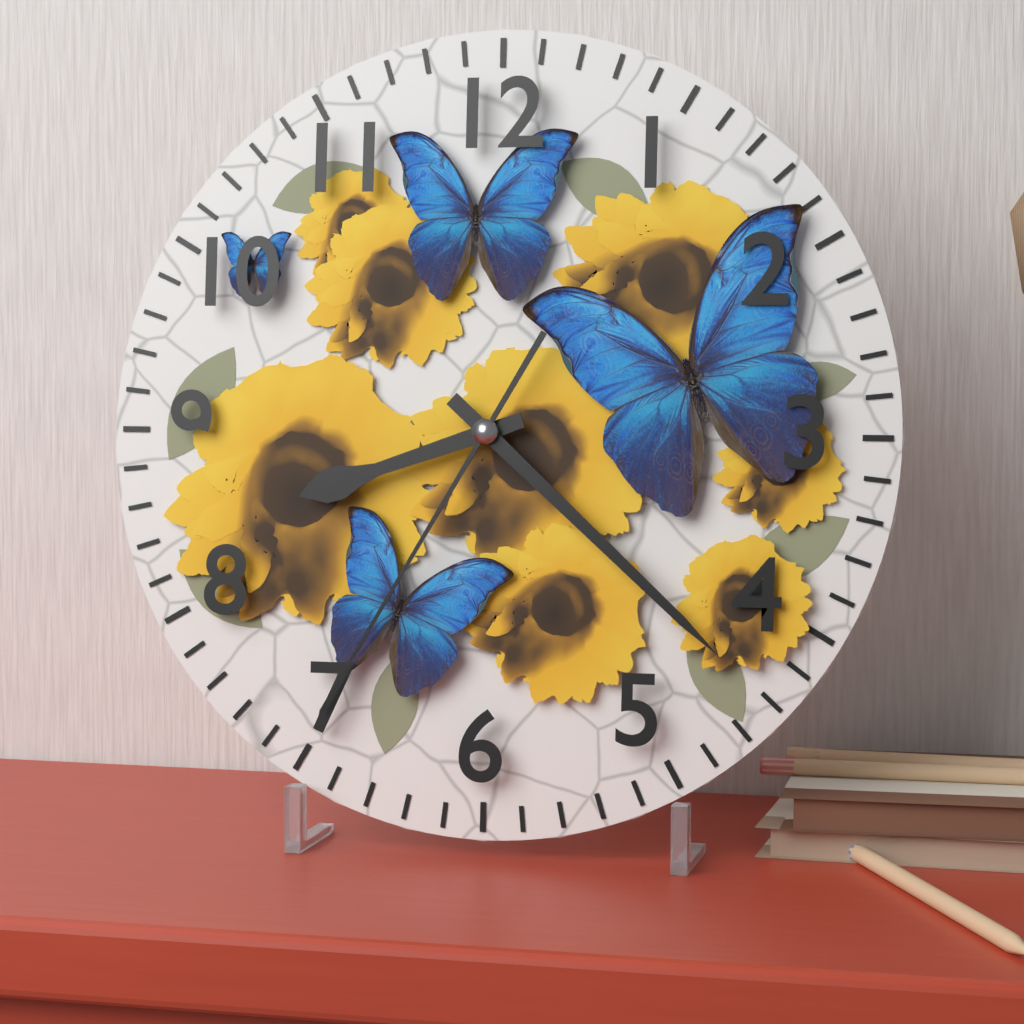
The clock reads {"hour": 8, "minute": 22, "second": 35}
